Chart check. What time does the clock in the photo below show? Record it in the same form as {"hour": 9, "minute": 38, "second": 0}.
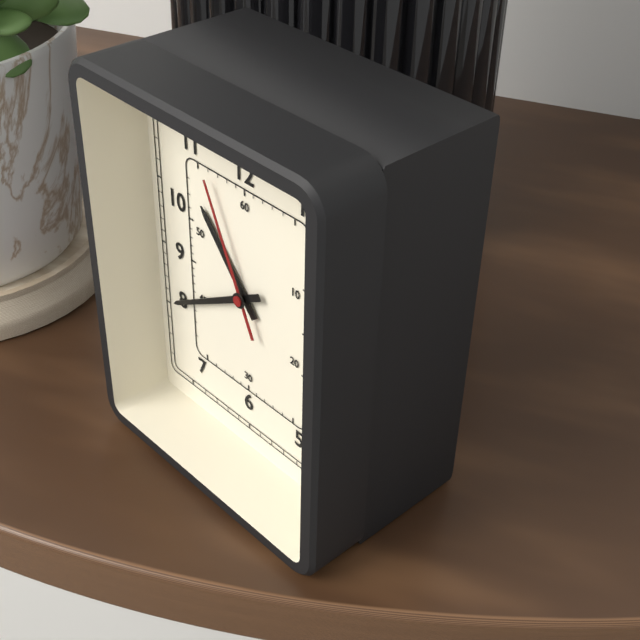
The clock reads {"hour": 10, "minute": 40, "second": 56}
